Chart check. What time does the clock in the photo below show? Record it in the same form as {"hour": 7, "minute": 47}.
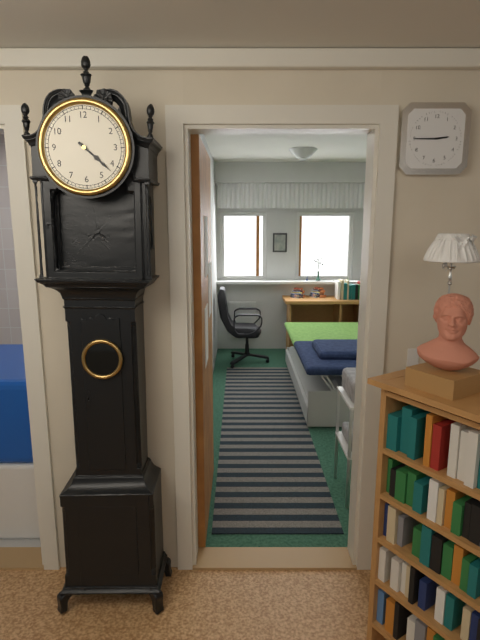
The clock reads {"hour": 4, "minute": 22}
